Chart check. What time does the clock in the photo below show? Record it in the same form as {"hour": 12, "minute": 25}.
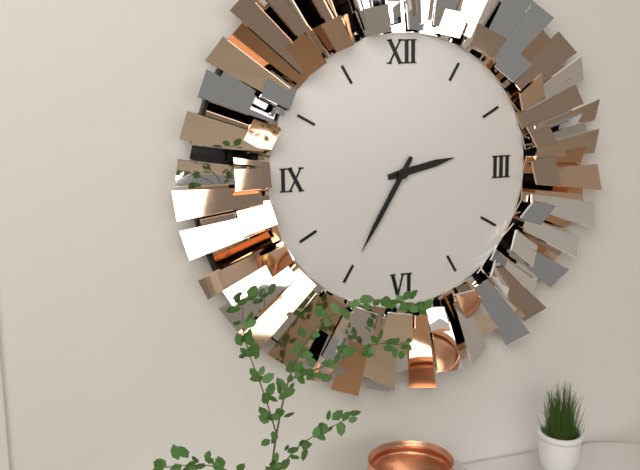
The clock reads {"hour": 2, "minute": 35}
